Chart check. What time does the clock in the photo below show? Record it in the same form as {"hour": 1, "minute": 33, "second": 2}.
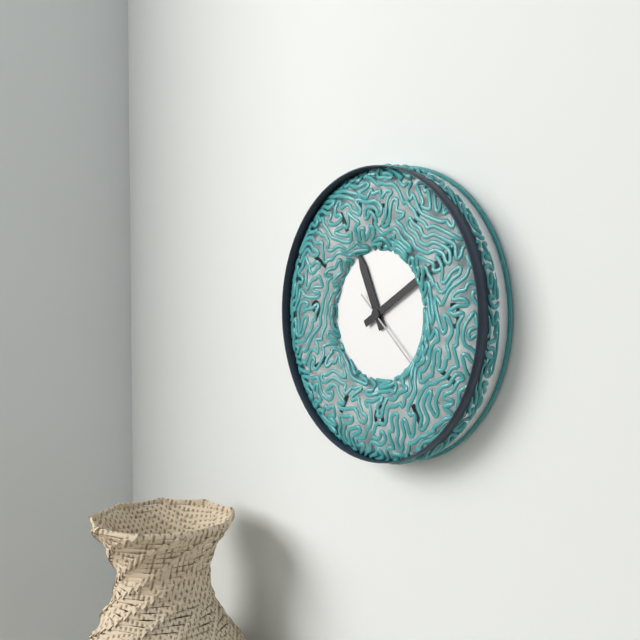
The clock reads {"hour": 11, "minute": 10, "second": 22}
